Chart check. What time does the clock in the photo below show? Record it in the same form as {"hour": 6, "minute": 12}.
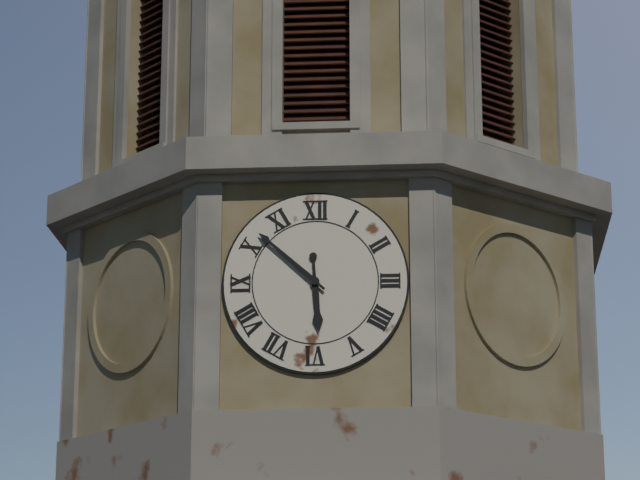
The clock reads {"hour": 5, "minute": 52}
